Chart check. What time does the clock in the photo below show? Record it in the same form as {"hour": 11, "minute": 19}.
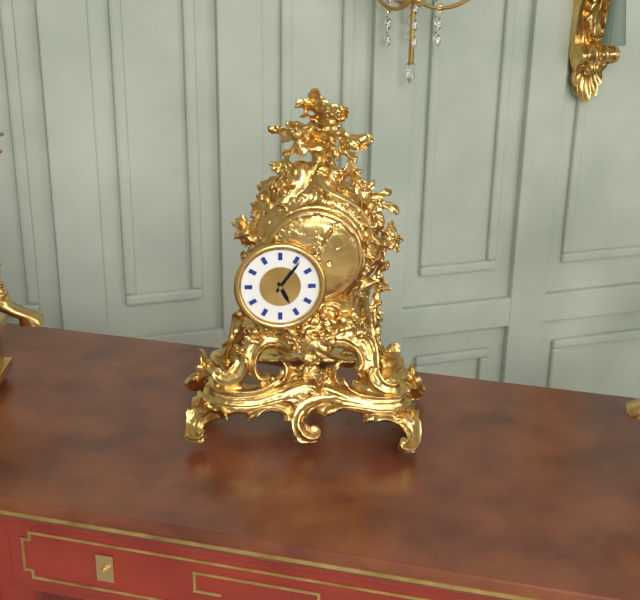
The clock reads {"hour": 5, "minute": 6}
